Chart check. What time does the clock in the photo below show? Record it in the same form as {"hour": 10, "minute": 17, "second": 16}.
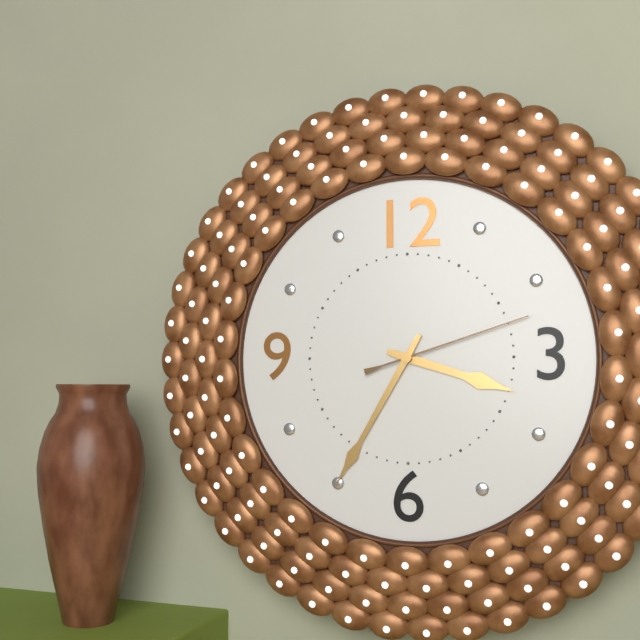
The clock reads {"hour": 3, "minute": 35, "second": 12}
